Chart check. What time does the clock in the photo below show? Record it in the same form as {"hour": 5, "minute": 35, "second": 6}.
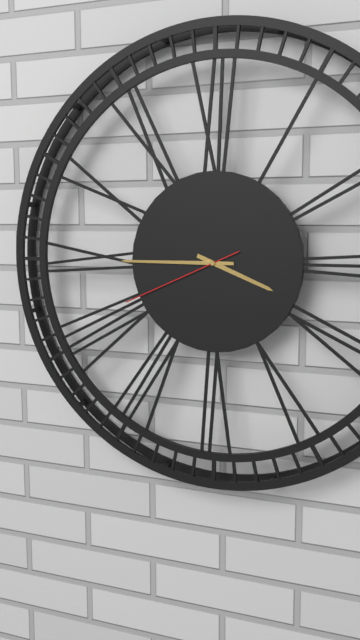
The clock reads {"hour": 3, "minute": 45, "second": 41}
